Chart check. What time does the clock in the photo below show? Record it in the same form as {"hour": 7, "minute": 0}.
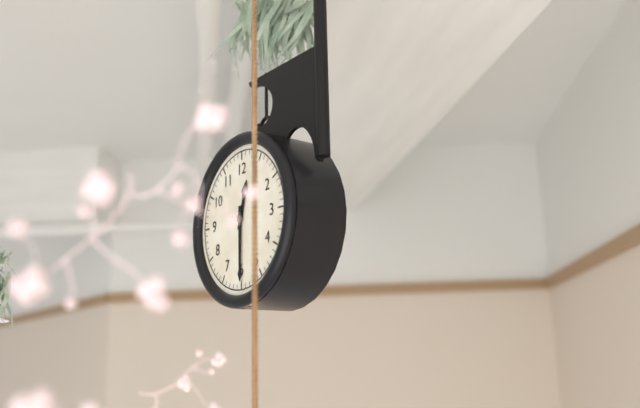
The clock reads {"hour": 12, "minute": 30}
